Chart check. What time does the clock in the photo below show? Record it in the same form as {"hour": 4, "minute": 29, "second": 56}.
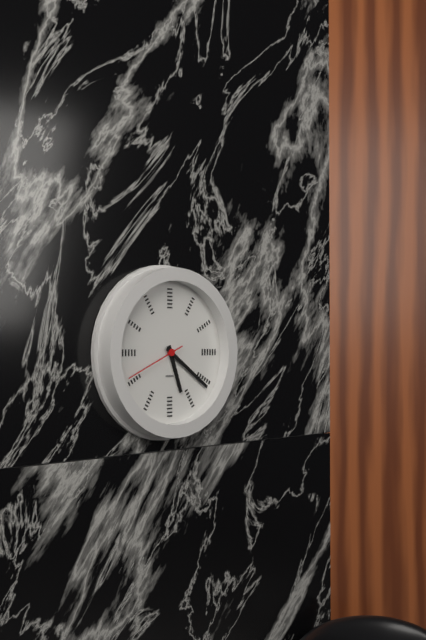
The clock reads {"hour": 5, "minute": 21, "second": 41}
